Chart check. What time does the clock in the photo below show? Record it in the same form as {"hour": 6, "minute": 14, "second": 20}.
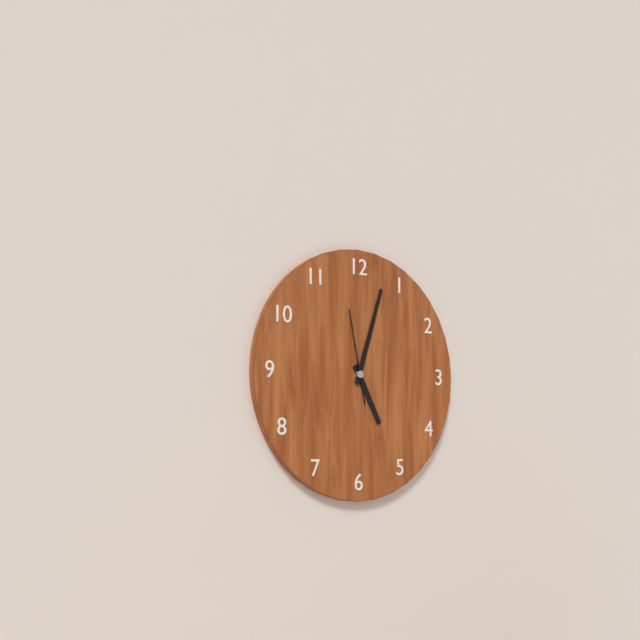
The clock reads {"hour": 5, "minute": 3, "second": 58}
